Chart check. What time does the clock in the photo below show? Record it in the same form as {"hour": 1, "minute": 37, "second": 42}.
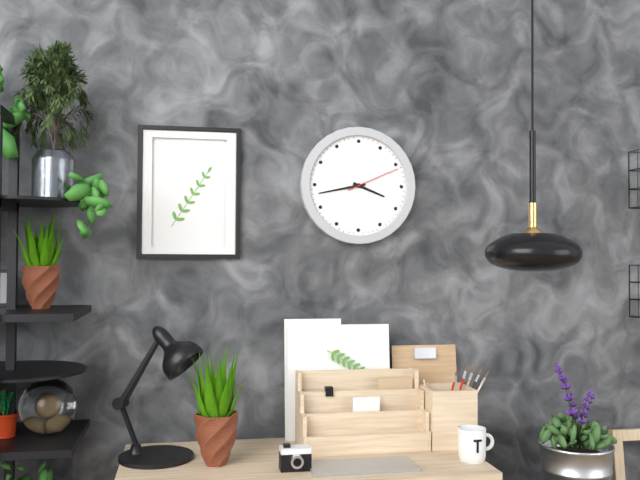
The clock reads {"hour": 3, "minute": 43, "second": 11}
